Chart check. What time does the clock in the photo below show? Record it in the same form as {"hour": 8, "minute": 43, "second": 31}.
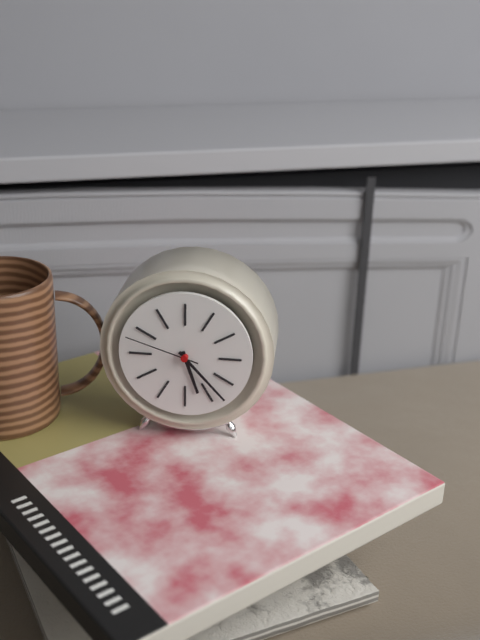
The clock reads {"hour": 5, "minute": 23, "second": 48}
